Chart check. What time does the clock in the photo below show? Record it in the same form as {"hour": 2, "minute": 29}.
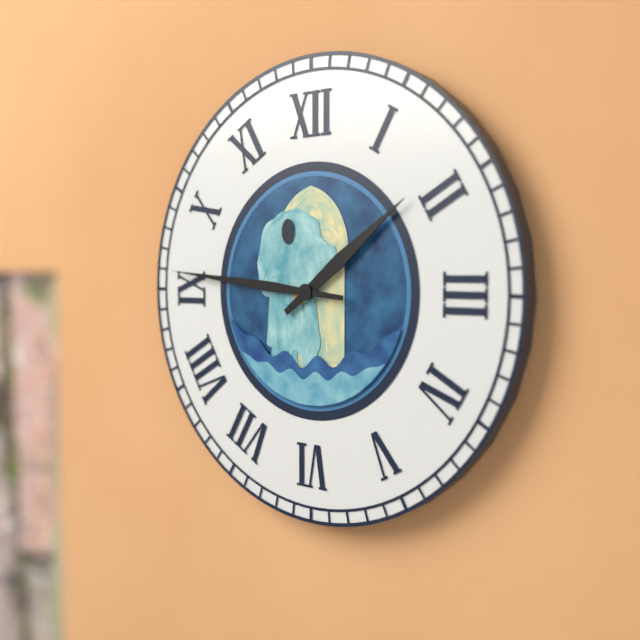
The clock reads {"hour": 1, "minute": 46}
